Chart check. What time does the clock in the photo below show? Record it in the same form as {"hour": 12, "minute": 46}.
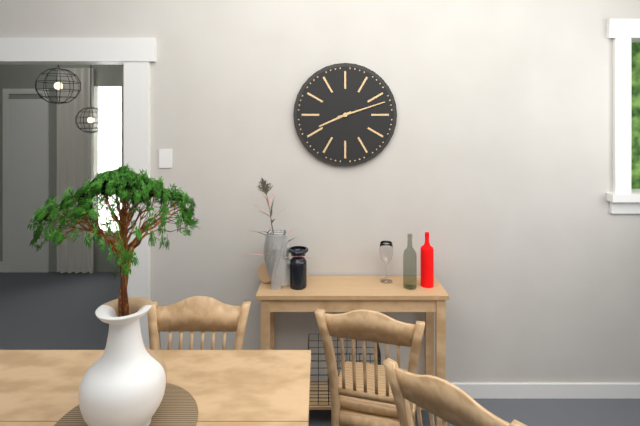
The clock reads {"hour": 8, "minute": 12}
